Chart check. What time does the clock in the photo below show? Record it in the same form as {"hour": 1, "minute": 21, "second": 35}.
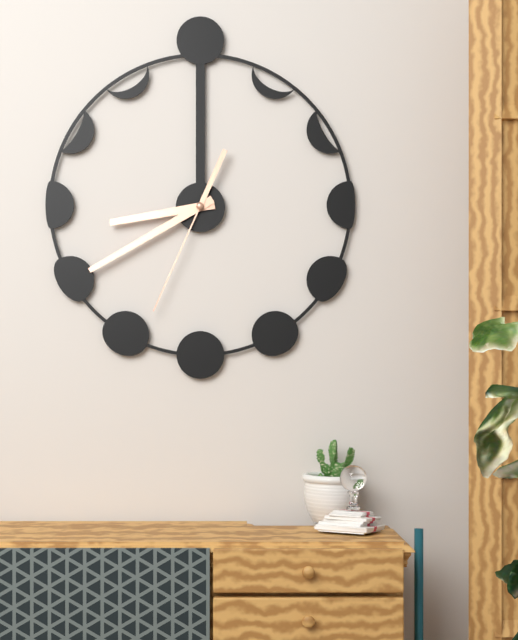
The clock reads {"hour": 8, "minute": 40, "second": 34}
